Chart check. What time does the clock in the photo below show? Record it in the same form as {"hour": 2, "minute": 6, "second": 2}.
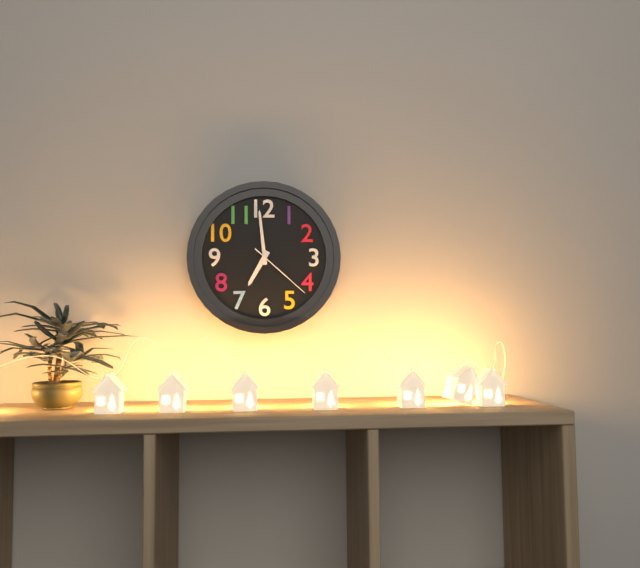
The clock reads {"hour": 6, "minute": 59, "second": 22}
